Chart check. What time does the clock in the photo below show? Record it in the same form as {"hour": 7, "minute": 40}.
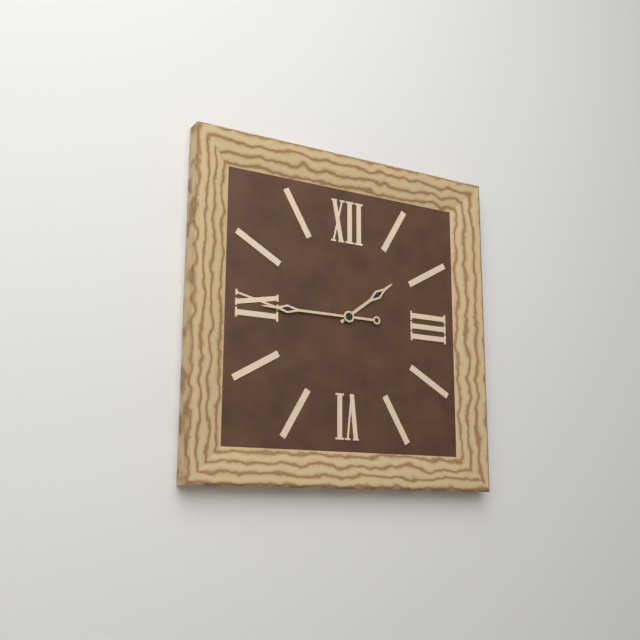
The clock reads {"hour": 1, "minute": 45}
